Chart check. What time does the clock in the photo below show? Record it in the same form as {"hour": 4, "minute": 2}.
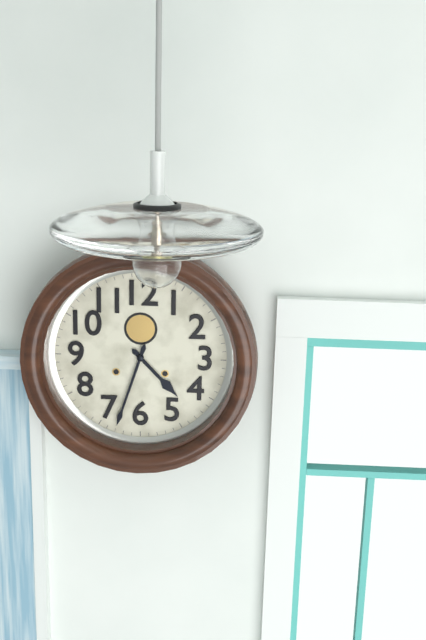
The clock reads {"hour": 4, "minute": 33}
